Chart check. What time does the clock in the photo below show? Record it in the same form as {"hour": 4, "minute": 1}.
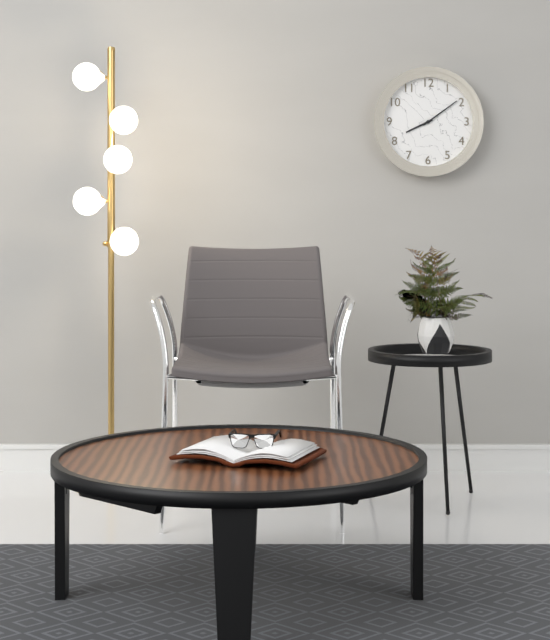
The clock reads {"hour": 8, "minute": 9}
